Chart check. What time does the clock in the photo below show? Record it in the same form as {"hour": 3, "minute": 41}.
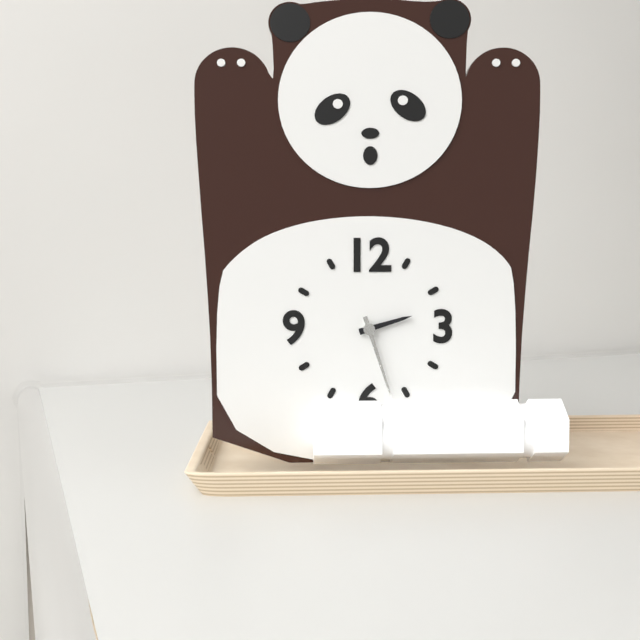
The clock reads {"hour": 2, "minute": 27}
